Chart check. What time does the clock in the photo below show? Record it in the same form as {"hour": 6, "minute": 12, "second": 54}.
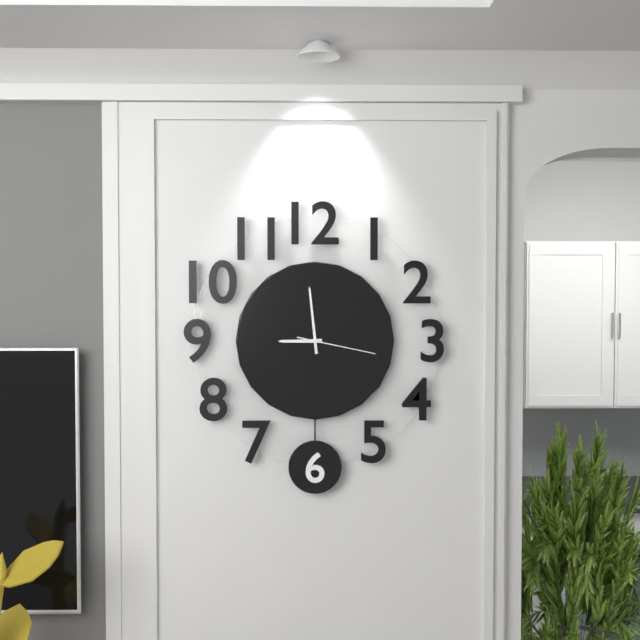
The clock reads {"hour": 8, "minute": 59, "second": 17}
